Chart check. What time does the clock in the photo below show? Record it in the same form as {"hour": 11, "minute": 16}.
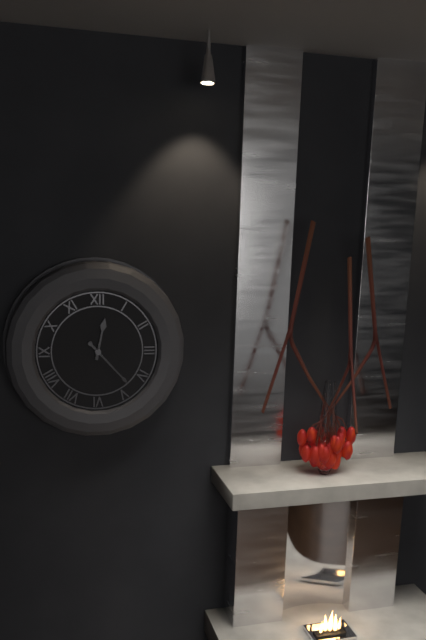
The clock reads {"hour": 12, "minute": 23}
